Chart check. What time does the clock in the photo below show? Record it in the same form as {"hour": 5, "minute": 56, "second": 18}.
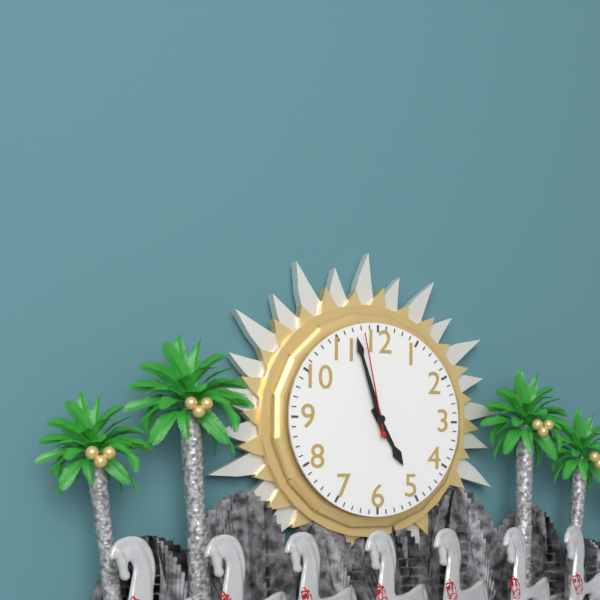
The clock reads {"hour": 4, "minute": 57, "second": 58}
